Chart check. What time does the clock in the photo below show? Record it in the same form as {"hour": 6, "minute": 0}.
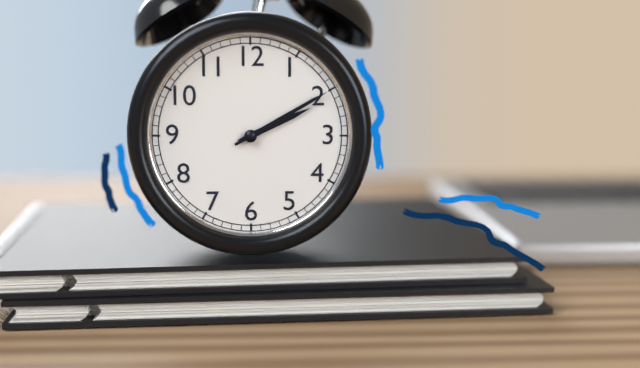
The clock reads {"hour": 2, "minute": 10}
